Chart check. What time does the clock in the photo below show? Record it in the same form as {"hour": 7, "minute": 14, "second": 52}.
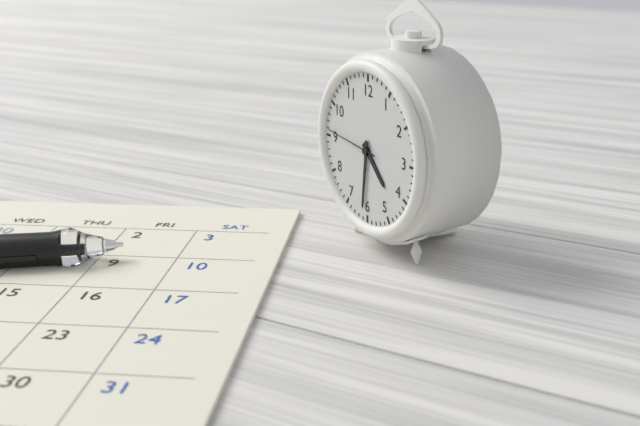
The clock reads {"hour": 4, "minute": 31, "second": 46}
